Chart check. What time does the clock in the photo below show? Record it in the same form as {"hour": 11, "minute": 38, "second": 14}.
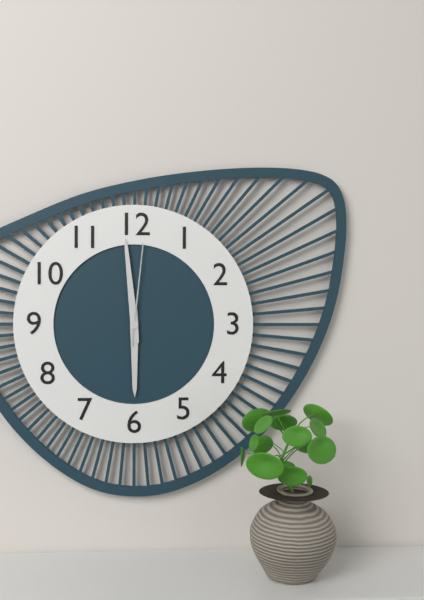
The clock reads {"hour": 5, "minute": 59, "second": 1}
